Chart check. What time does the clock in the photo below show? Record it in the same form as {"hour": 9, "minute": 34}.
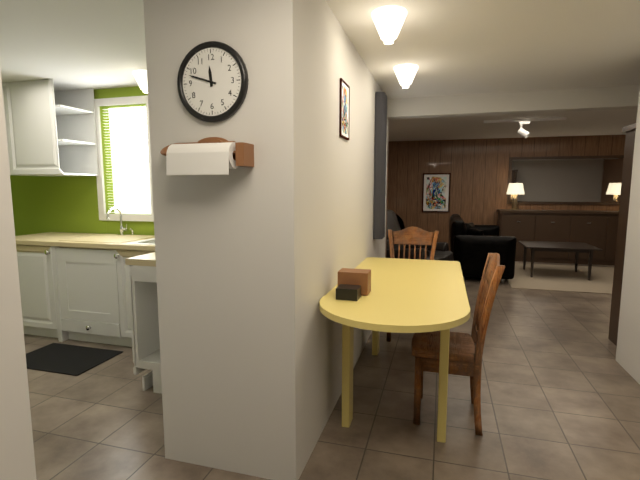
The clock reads {"hour": 11, "minute": 48}
